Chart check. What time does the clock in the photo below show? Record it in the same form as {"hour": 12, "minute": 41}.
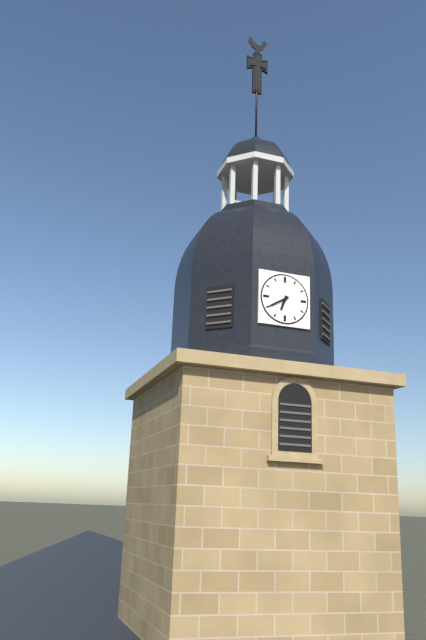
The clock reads {"hour": 6, "minute": 40}
